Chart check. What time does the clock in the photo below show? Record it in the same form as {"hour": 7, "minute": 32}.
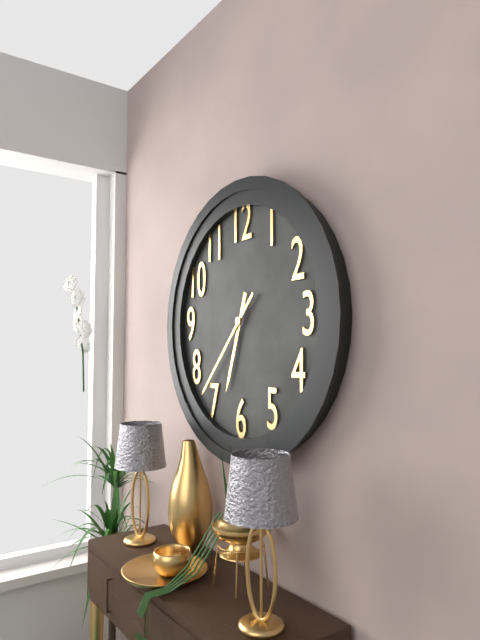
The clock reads {"hour": 6, "minute": 37}
